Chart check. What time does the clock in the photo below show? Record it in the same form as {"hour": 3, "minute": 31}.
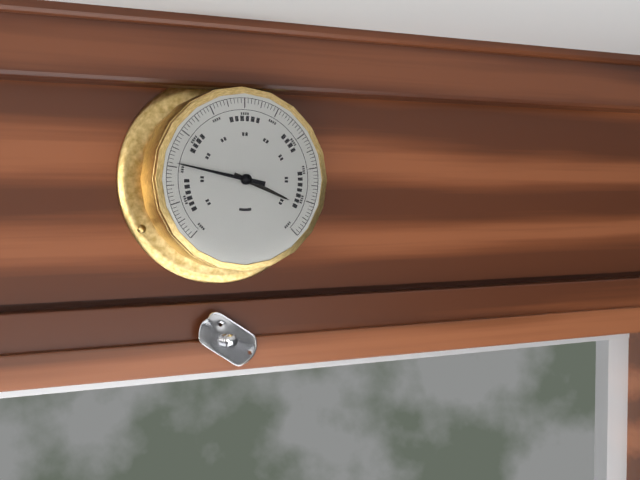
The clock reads {"hour": 3, "minute": 47}
